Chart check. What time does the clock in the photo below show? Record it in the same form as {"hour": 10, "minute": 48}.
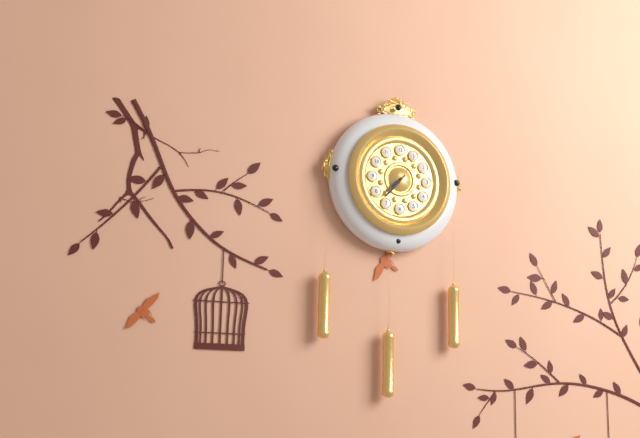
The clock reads {"hour": 7, "minute": 37}
